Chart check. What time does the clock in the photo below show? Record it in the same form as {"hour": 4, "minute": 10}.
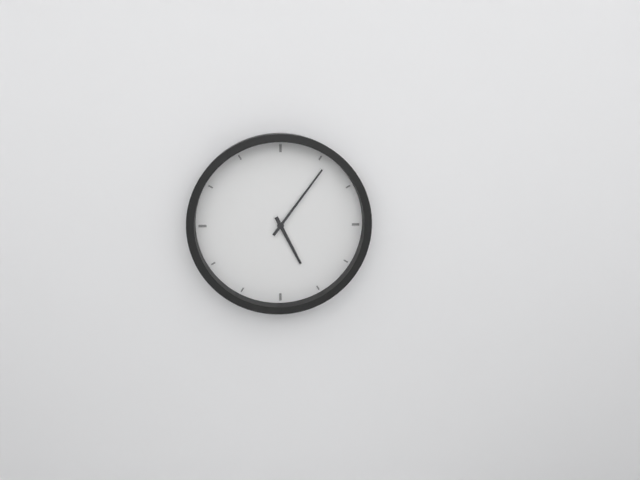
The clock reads {"hour": 5, "minute": 6}
